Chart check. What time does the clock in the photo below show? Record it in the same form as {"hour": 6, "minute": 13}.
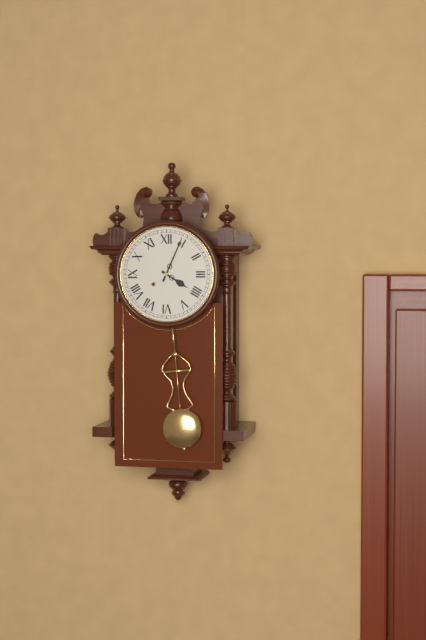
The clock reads {"hour": 4, "minute": 4}
